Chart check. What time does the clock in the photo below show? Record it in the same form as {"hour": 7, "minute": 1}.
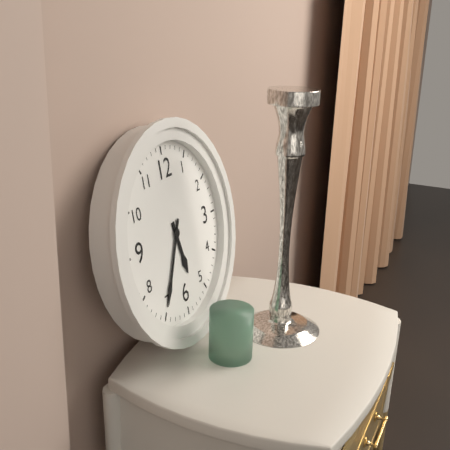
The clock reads {"hour": 5, "minute": 35}
